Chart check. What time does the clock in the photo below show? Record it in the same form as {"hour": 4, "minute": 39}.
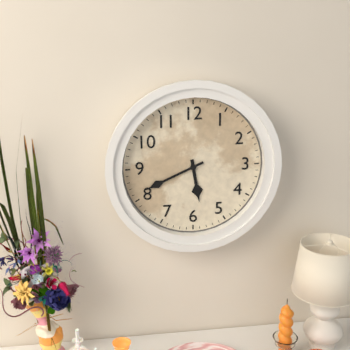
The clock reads {"hour": 5, "minute": 41}
